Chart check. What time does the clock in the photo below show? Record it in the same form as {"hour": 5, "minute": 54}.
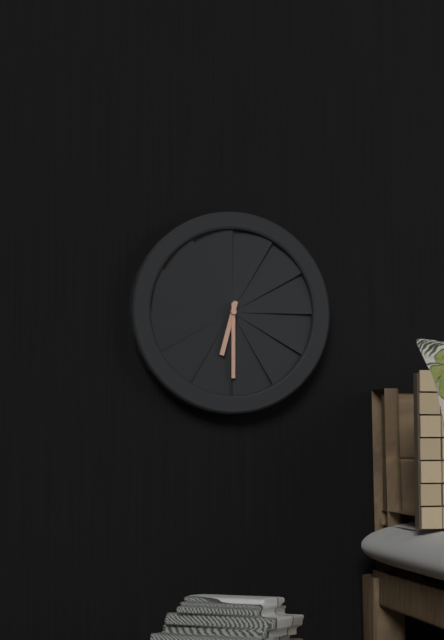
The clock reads {"hour": 6, "minute": 30}
